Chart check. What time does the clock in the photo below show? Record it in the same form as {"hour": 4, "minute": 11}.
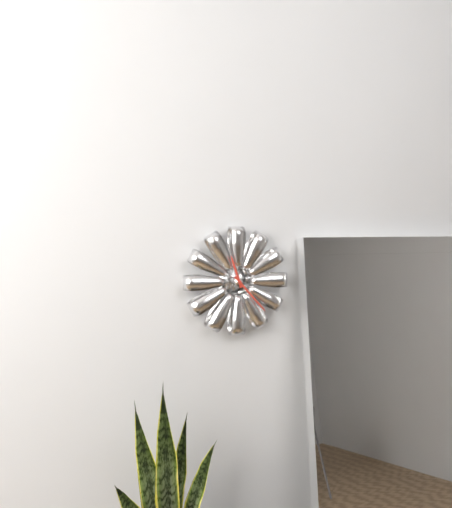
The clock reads {"hour": 11, "minute": 23}
